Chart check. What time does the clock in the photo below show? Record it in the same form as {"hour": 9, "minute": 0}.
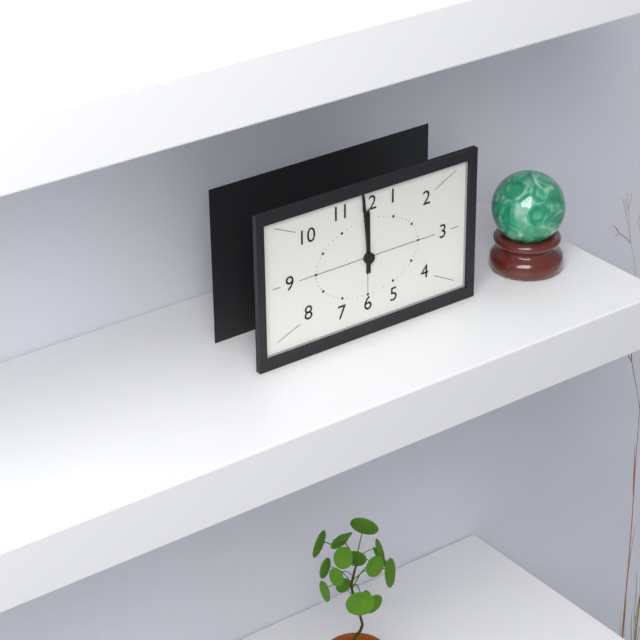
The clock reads {"hour": 11, "minute": 59}
